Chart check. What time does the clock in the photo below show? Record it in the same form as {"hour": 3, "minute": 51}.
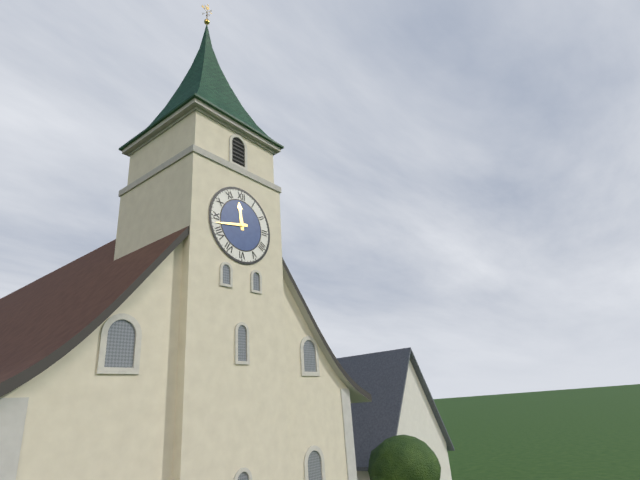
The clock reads {"hour": 11, "minute": 43}
